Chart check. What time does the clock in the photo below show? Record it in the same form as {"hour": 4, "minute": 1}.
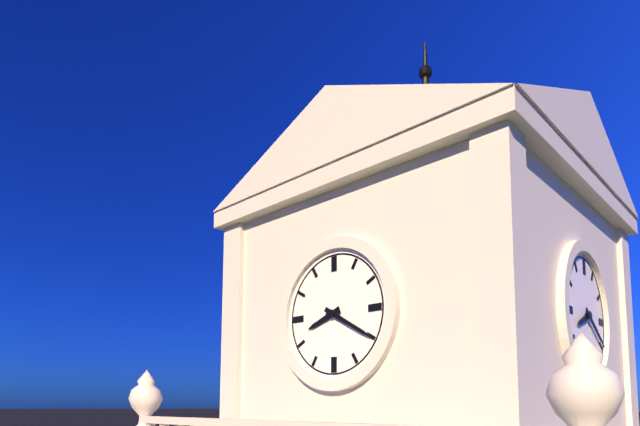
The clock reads {"hour": 8, "minute": 20}
